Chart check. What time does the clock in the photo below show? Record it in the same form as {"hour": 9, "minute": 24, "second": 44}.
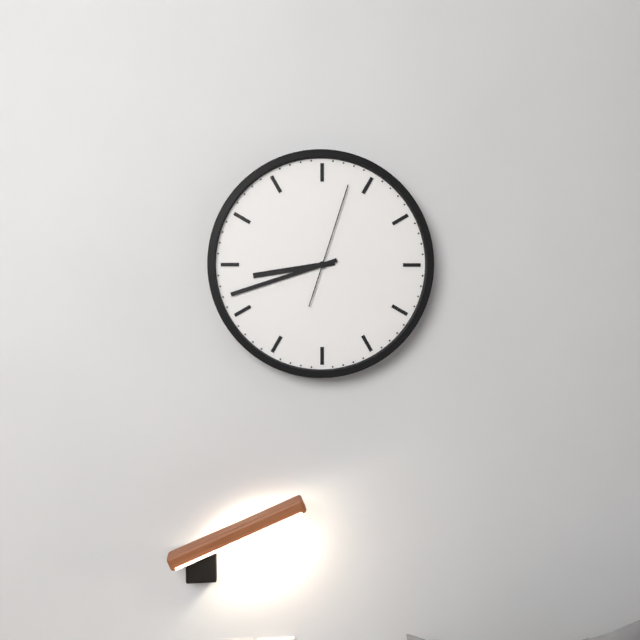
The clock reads {"hour": 8, "minute": 42, "second": 3}
